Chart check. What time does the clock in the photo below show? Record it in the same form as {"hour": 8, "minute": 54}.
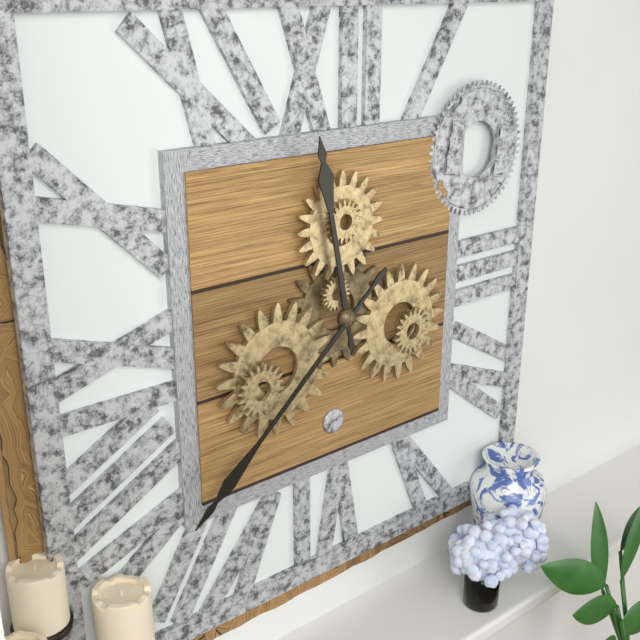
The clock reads {"hour": 11, "minute": 38}
